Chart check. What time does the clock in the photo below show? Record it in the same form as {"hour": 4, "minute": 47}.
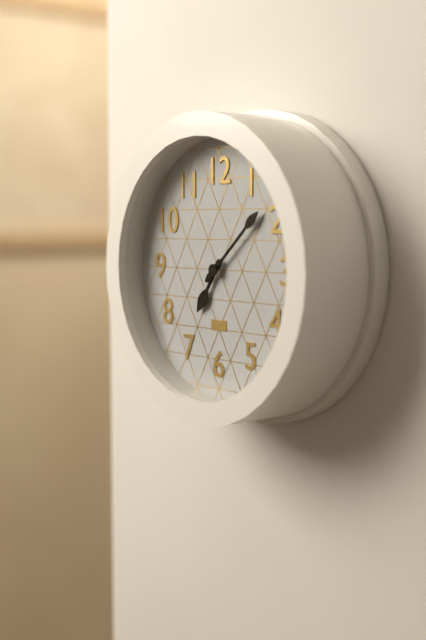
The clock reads {"hour": 7, "minute": 8}
